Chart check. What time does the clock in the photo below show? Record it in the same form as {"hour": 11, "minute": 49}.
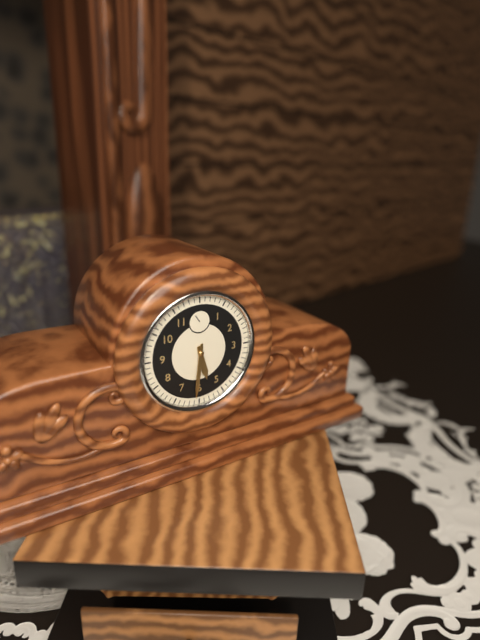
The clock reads {"hour": 5, "minute": 31}
